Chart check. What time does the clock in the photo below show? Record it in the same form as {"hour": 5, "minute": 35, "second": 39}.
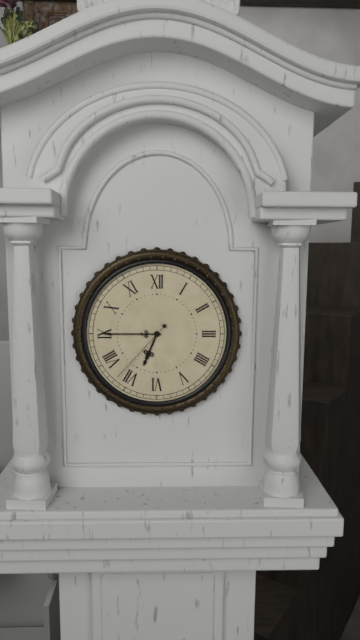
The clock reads {"hour": 6, "minute": 45, "second": 37}
